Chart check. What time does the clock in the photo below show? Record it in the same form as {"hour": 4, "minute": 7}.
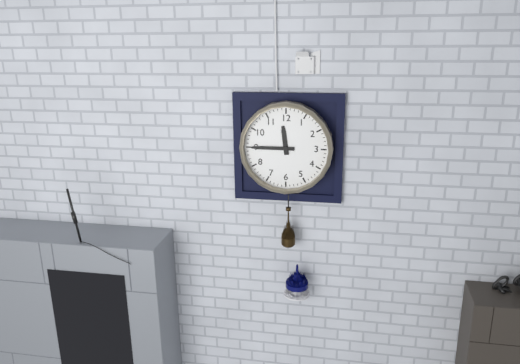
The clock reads {"hour": 11, "minute": 45}
